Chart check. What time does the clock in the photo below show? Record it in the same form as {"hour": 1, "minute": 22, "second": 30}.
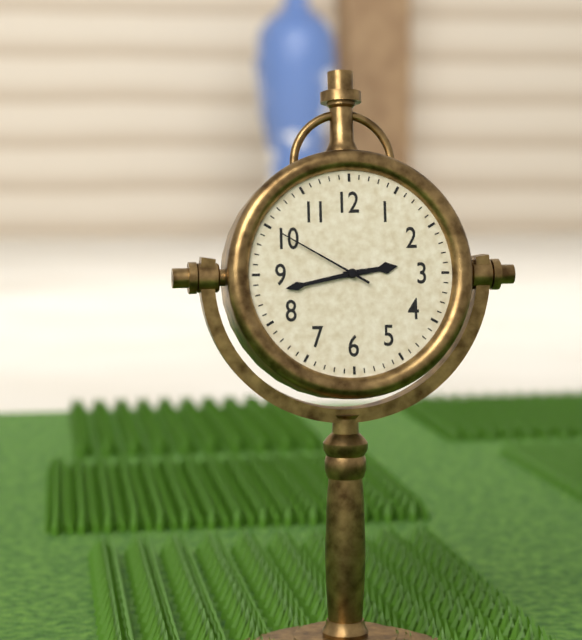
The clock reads {"hour": 2, "minute": 43, "second": 50}
